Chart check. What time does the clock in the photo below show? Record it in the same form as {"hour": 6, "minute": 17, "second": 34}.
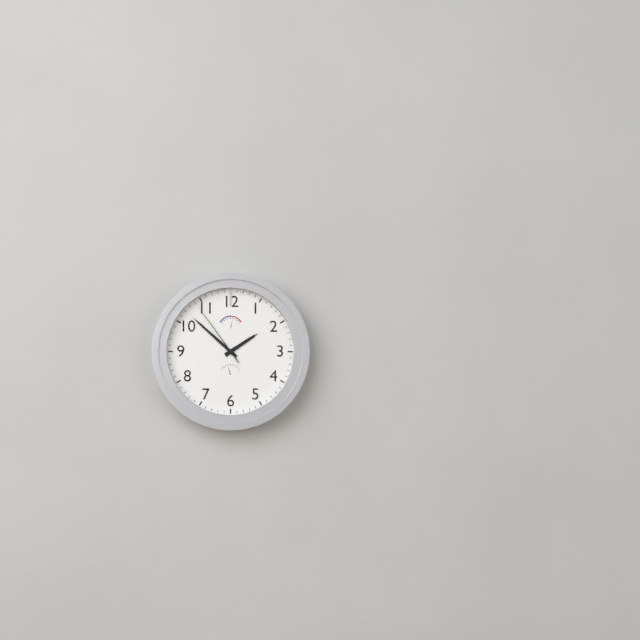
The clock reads {"hour": 1, "minute": 52, "second": 54}
